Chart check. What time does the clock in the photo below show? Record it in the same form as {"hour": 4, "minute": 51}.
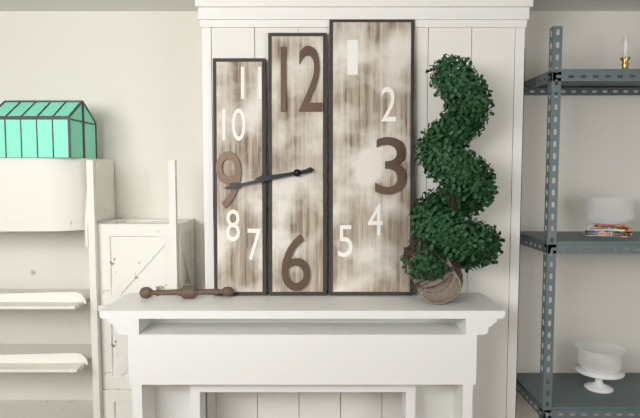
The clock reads {"hour": 8, "minute": 43}
